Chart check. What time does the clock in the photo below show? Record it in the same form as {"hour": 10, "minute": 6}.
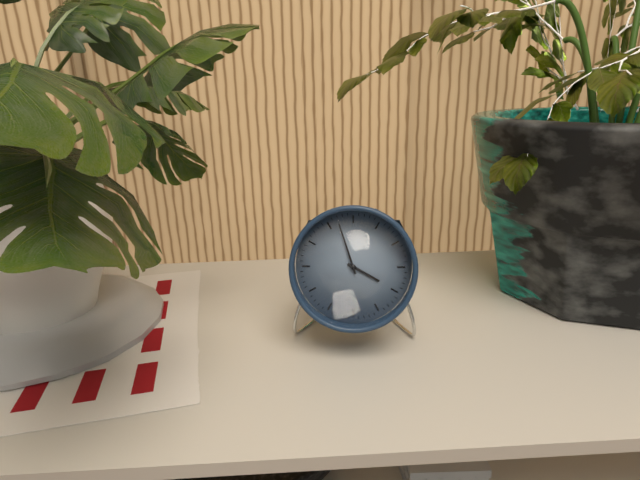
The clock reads {"hour": 3, "minute": 57}
